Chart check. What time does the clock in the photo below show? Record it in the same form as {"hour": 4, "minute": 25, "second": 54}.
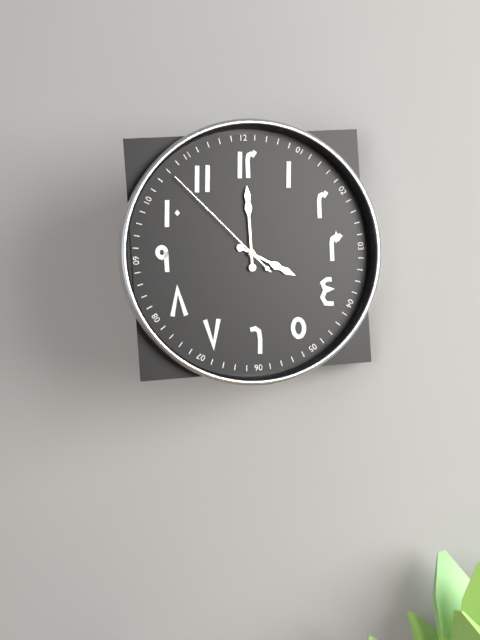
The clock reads {"hour": 4, "minute": 0, "second": 53}
